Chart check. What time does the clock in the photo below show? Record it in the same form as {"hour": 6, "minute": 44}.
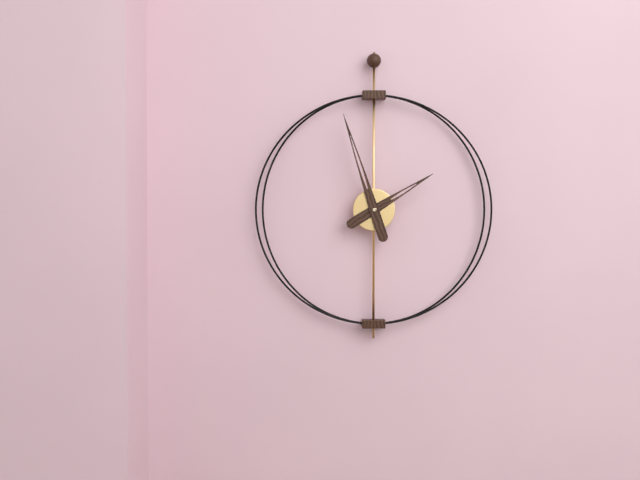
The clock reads {"hour": 1, "minute": 57}
